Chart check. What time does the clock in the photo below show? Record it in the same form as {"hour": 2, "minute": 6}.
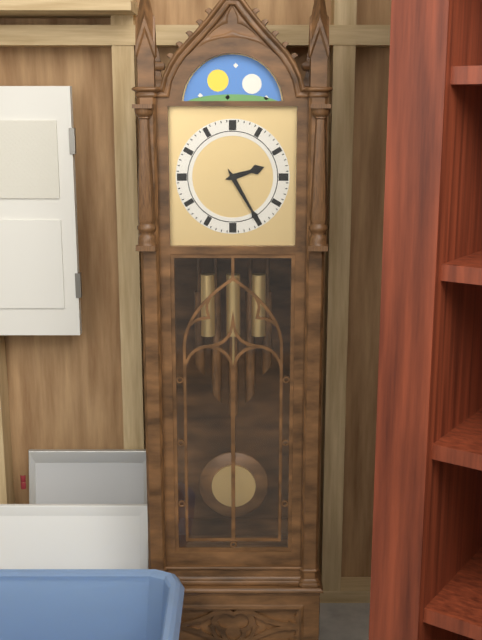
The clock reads {"hour": 2, "minute": 25}
